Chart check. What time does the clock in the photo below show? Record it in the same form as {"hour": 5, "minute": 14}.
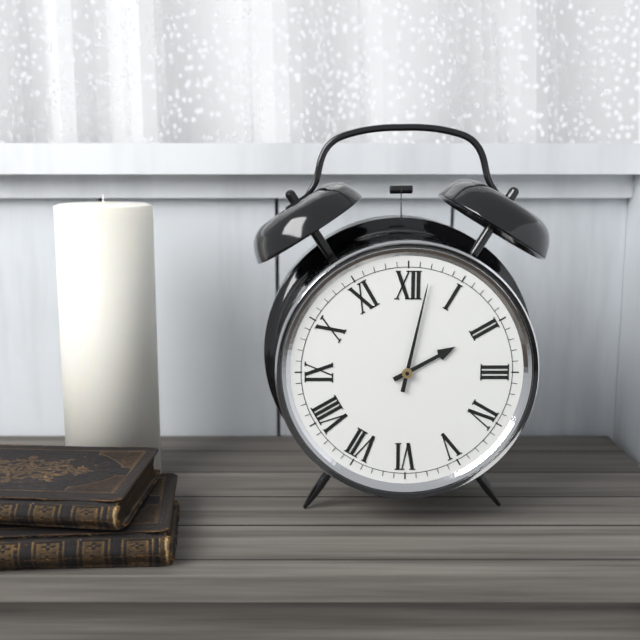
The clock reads {"hour": 2, "minute": 2}
